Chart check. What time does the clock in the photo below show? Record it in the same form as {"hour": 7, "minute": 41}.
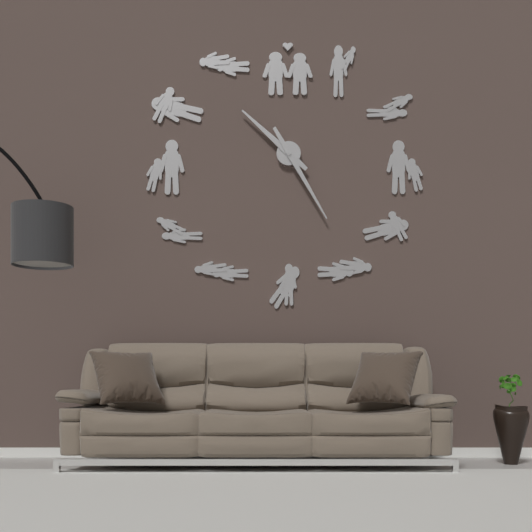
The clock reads {"hour": 10, "minute": 25}
